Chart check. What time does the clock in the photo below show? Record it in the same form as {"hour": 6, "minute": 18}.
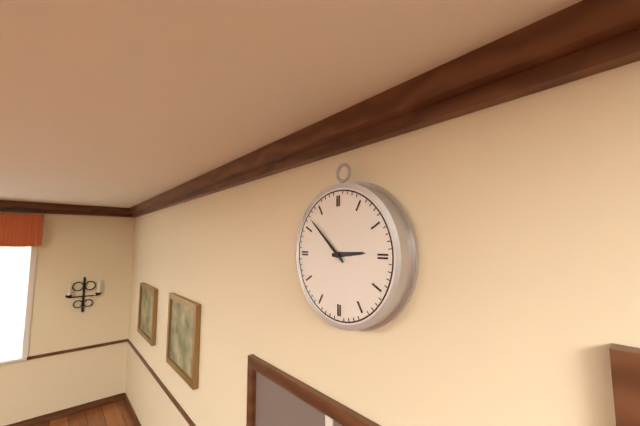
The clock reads {"hour": 2, "minute": 52}
